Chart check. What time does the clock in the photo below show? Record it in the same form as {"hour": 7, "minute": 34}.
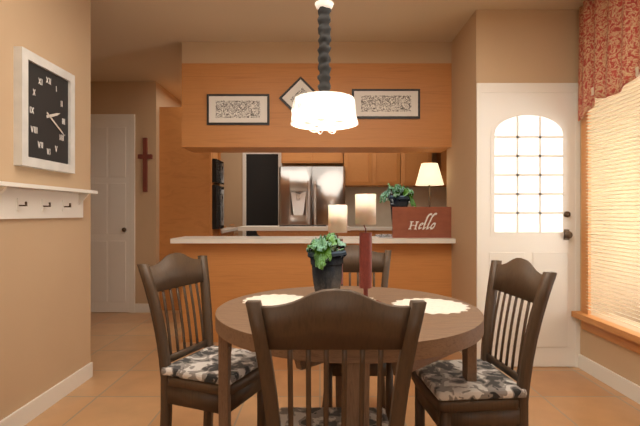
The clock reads {"hour": 2, "minute": 20}
